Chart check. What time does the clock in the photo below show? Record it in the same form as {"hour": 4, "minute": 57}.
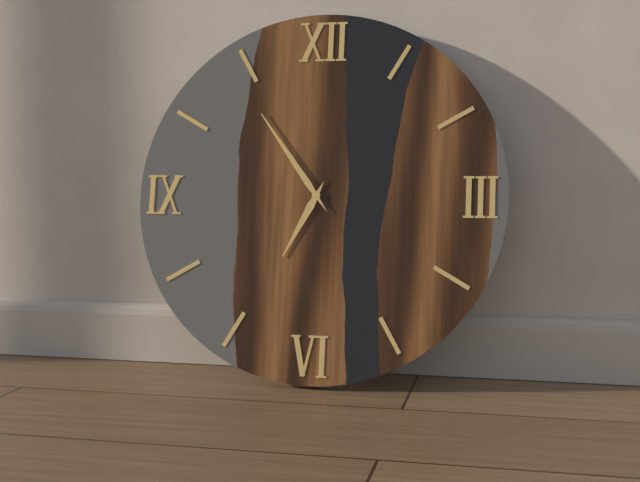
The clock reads {"hour": 6, "minute": 54}
